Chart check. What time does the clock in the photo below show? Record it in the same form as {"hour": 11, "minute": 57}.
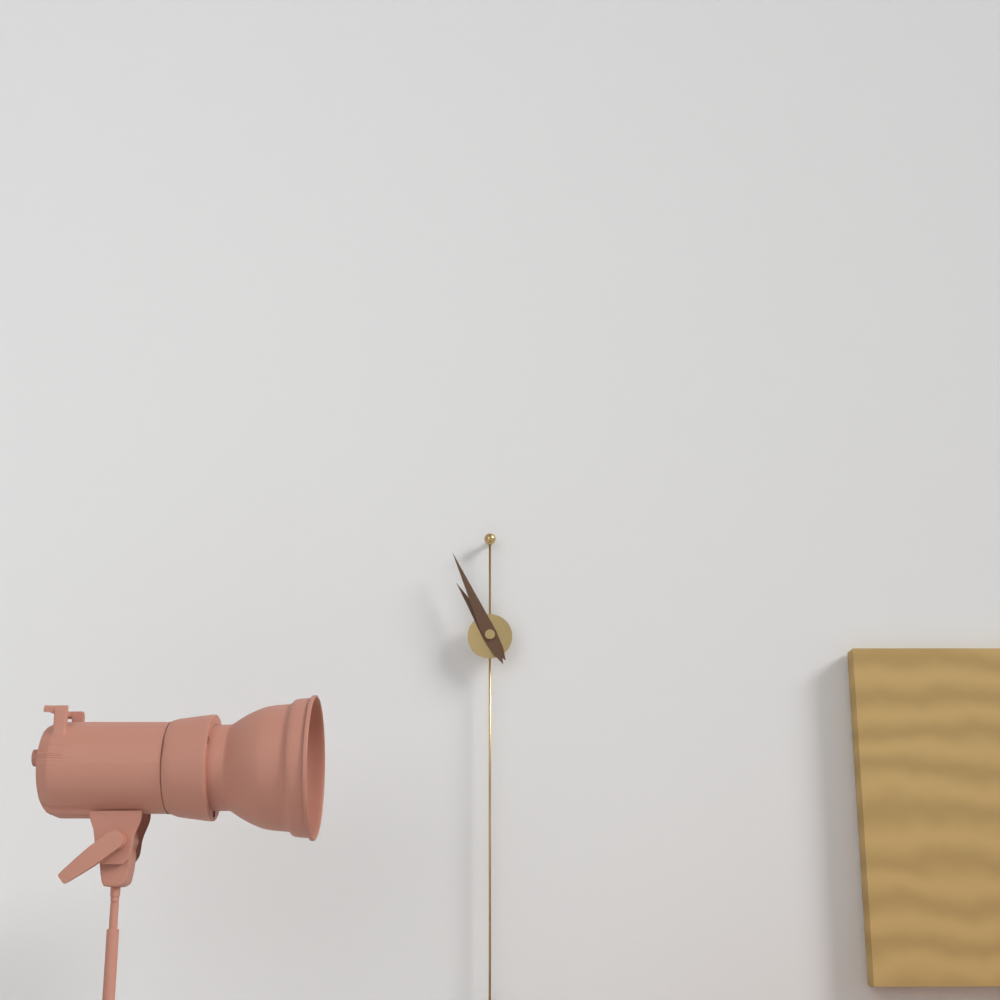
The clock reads {"hour": 10, "minute": 56}
